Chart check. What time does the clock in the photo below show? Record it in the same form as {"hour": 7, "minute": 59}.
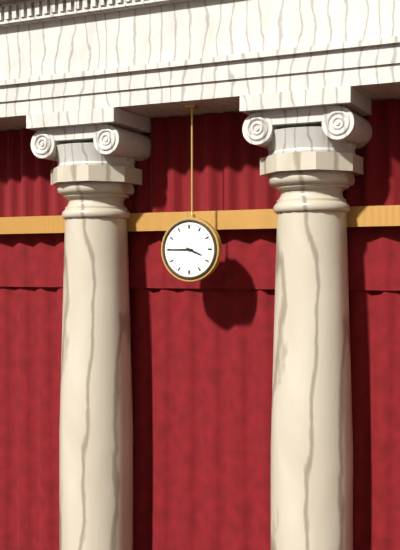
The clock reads {"hour": 3, "minute": 45}
